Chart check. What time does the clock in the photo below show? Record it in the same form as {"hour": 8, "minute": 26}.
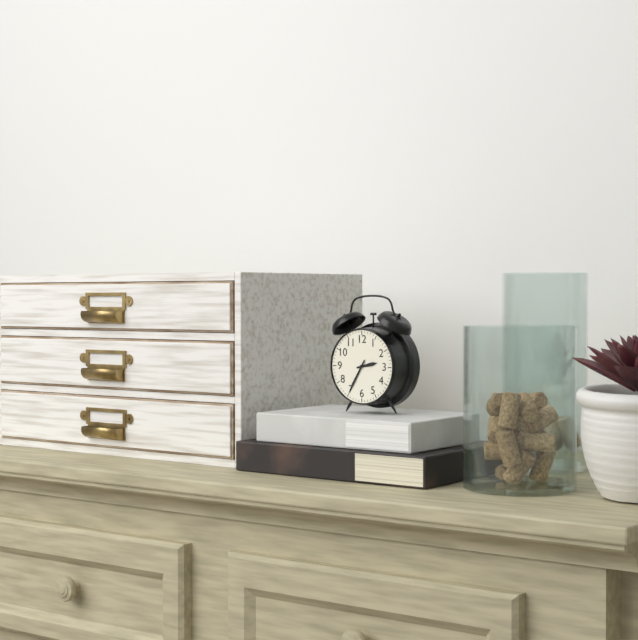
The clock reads {"hour": 2, "minute": 35}
